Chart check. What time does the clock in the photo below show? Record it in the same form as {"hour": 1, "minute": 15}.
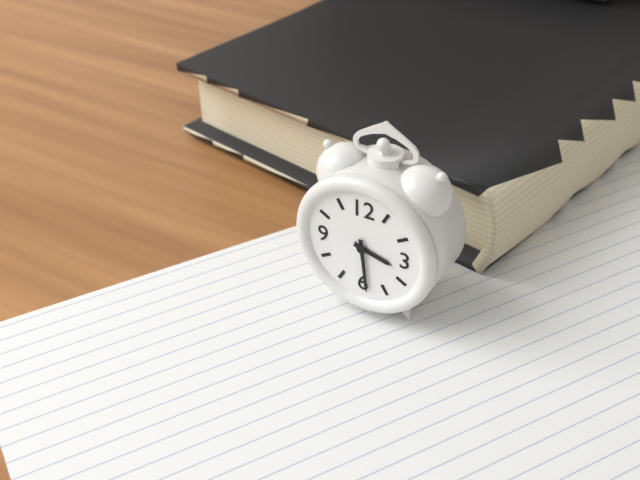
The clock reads {"hour": 3, "minute": 29}
